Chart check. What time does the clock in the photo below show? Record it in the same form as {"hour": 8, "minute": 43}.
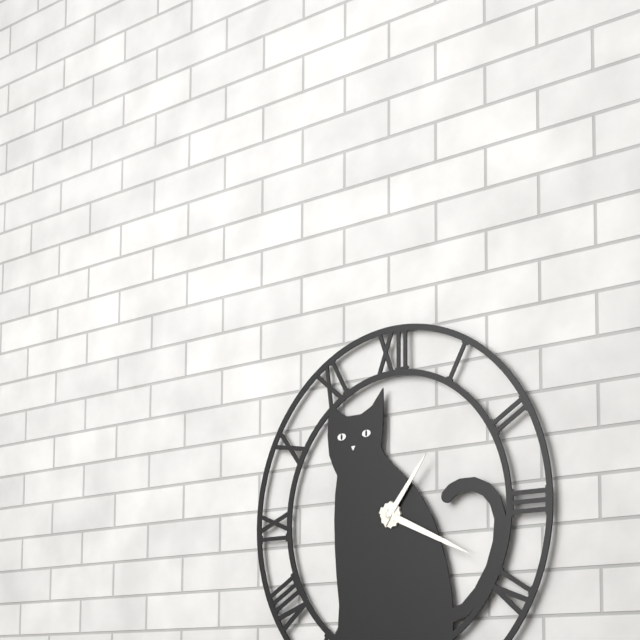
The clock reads {"hour": 1, "minute": 19}
